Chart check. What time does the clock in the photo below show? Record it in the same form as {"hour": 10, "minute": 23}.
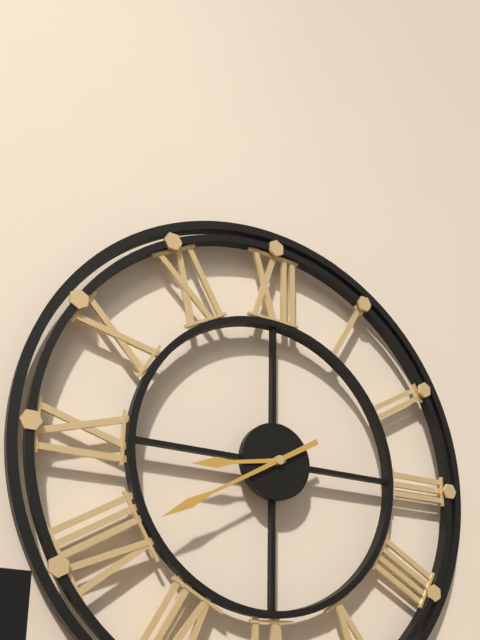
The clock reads {"hour": 8, "minute": 40}
